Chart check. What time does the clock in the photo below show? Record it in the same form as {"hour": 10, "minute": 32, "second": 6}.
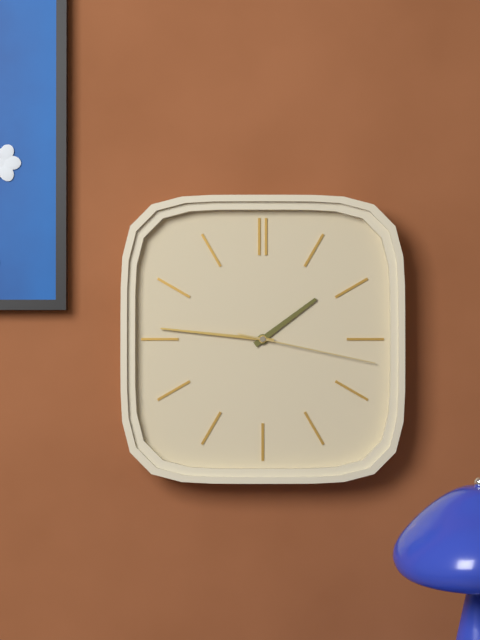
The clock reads {"hour": 1, "minute": 46, "second": 17}
